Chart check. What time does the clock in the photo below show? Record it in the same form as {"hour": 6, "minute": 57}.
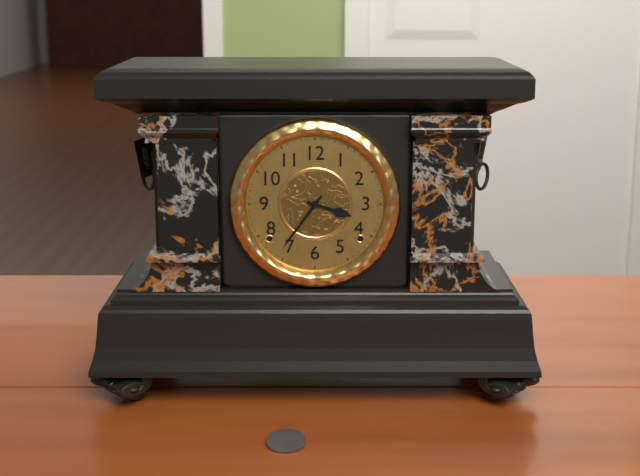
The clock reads {"hour": 3, "minute": 36}
